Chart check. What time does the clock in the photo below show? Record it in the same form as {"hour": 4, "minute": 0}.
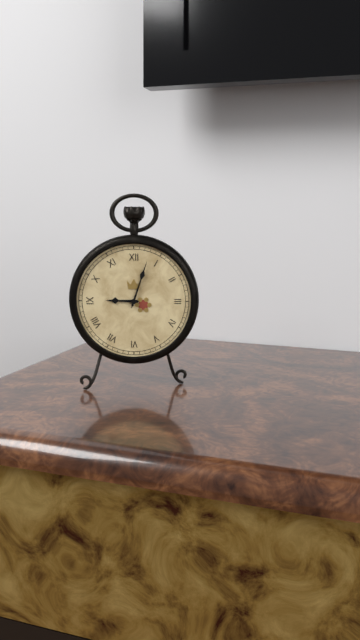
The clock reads {"hour": 9, "minute": 3}
